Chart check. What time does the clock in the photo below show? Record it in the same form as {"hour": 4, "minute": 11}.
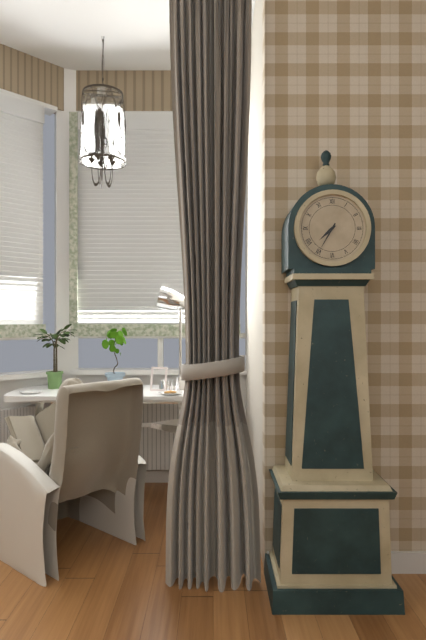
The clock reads {"hour": 7, "minute": 35}
